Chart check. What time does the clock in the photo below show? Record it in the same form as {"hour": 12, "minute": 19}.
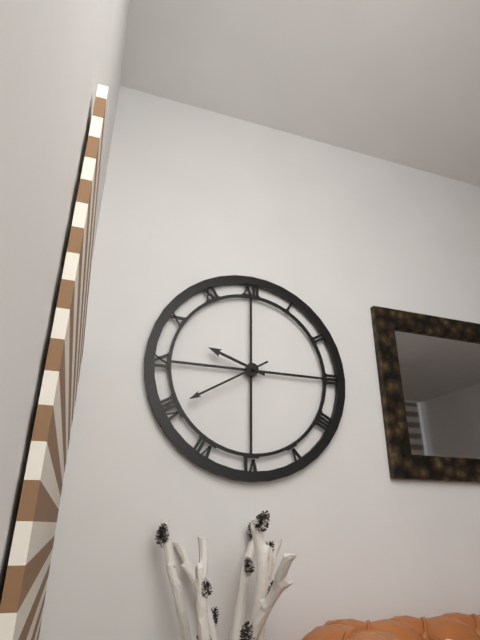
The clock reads {"hour": 9, "minute": 40}
